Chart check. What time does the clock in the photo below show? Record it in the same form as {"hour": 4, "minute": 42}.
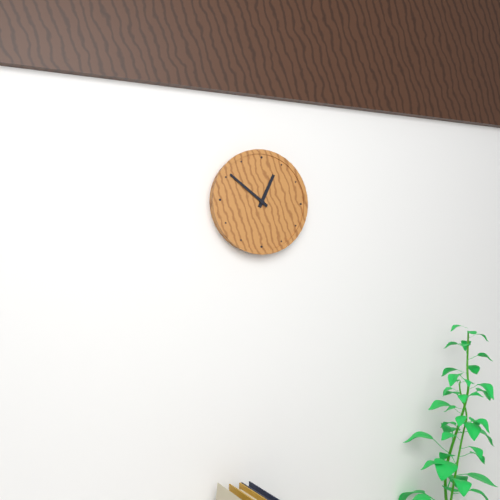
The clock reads {"hour": 12, "minute": 51}
